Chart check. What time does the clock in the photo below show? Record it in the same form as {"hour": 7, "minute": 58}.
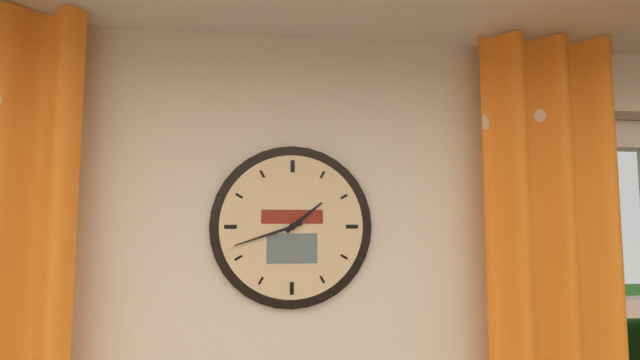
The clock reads {"hour": 1, "minute": 42}
